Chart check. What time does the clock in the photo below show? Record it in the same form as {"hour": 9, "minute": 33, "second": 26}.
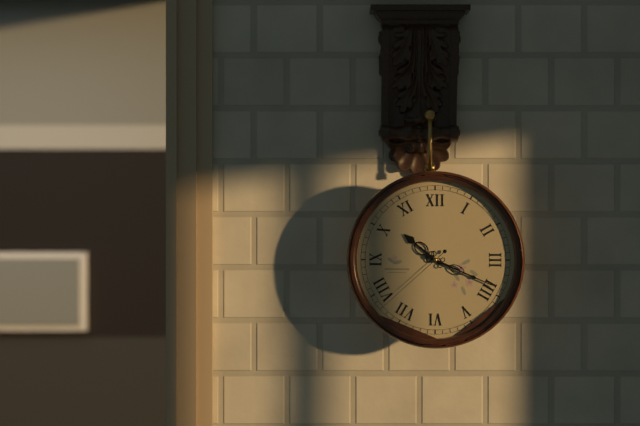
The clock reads {"hour": 10, "minute": 19, "second": 38}
